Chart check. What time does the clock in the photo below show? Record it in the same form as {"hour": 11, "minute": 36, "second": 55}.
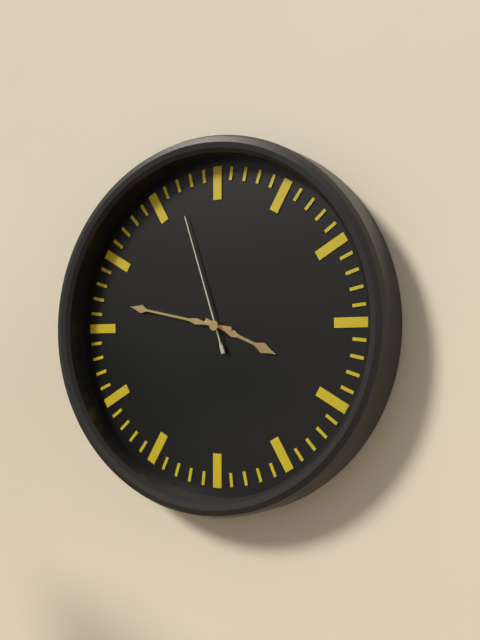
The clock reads {"hour": 3, "minute": 47, "second": 57}
